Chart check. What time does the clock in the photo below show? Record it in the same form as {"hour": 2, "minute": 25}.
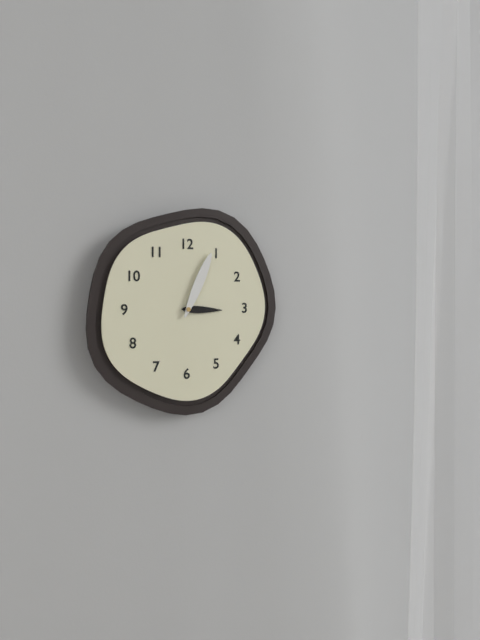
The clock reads {"hour": 3, "minute": 4}
